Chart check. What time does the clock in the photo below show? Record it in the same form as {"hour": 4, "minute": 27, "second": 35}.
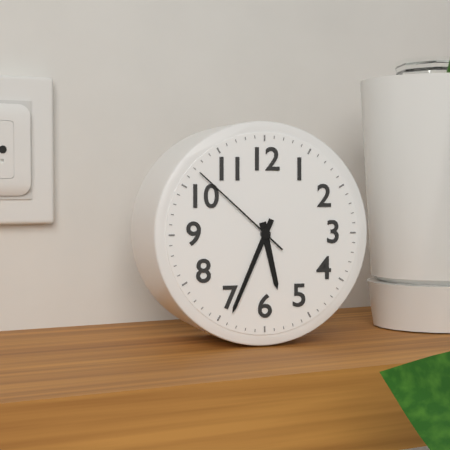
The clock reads {"hour": 5, "minute": 34, "second": 52}
